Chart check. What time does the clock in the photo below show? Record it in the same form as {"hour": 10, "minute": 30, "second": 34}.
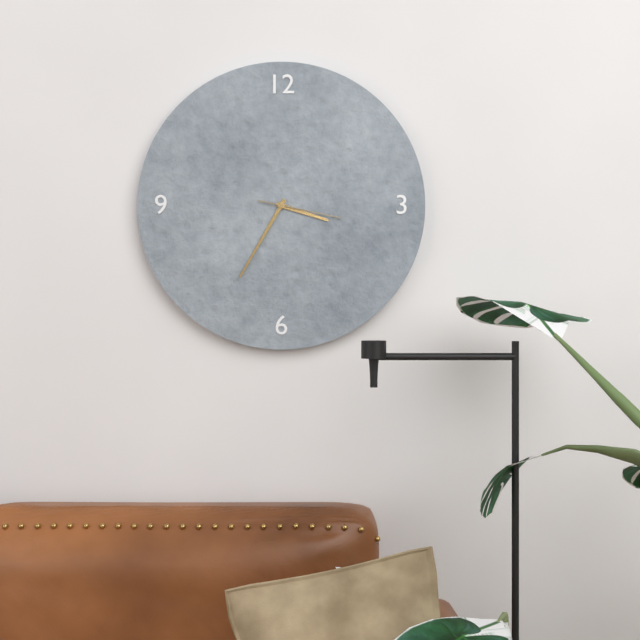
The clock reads {"hour": 3, "minute": 35, "second": 17}
